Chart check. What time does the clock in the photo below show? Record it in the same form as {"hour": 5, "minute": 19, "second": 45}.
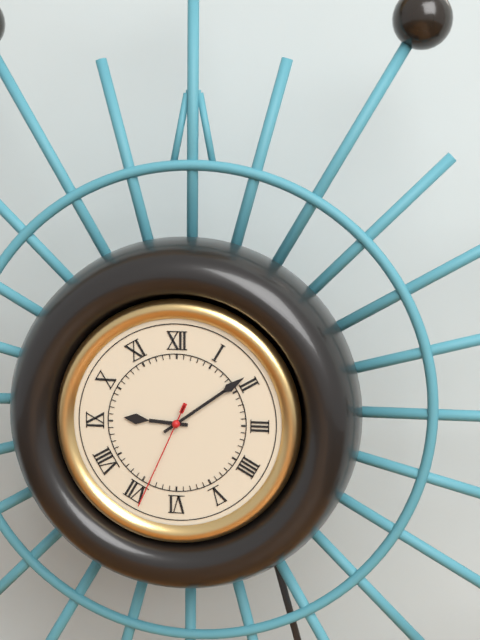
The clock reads {"hour": 9, "minute": 9, "second": 34}
